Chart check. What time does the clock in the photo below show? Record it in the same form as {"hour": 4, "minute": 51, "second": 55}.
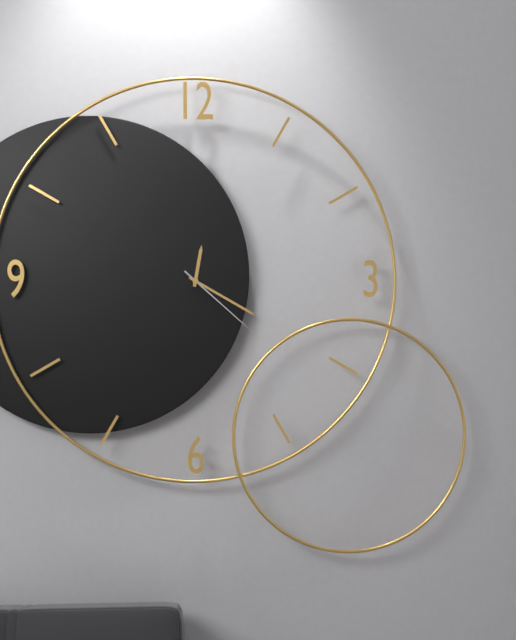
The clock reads {"hour": 12, "minute": 20, "second": 22}
